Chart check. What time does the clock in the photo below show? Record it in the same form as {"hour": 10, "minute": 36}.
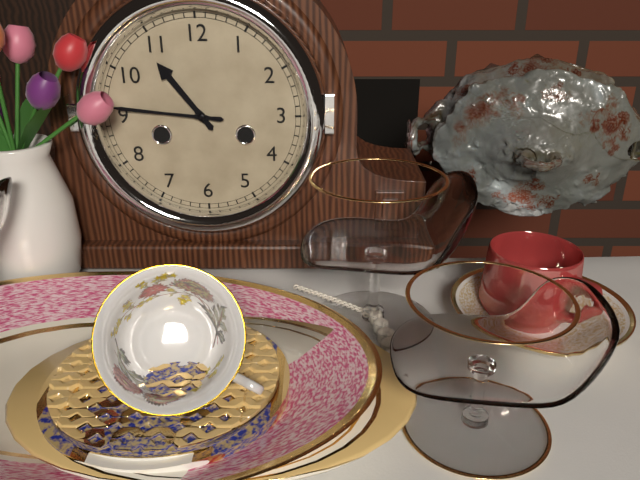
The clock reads {"hour": 10, "minute": 46}
